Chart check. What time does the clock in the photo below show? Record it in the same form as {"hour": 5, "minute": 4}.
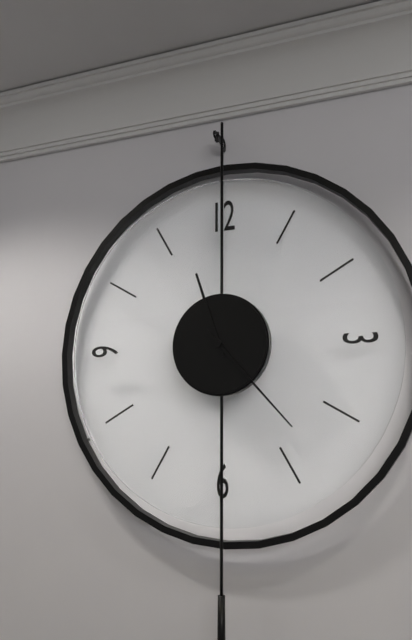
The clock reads {"hour": 11, "minute": 23}
